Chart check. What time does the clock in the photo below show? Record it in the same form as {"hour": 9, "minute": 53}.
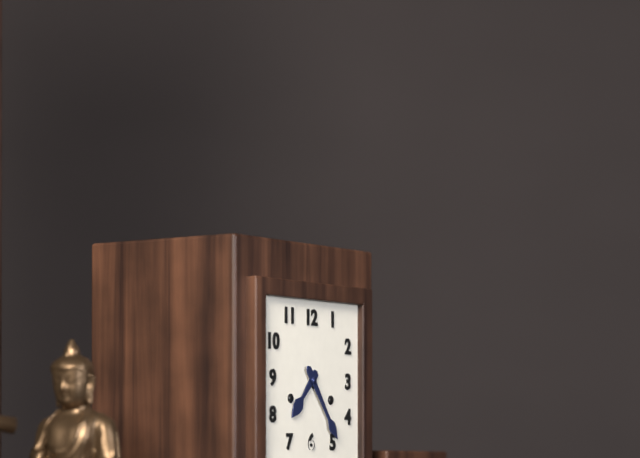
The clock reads {"hour": 7, "minute": 24}
